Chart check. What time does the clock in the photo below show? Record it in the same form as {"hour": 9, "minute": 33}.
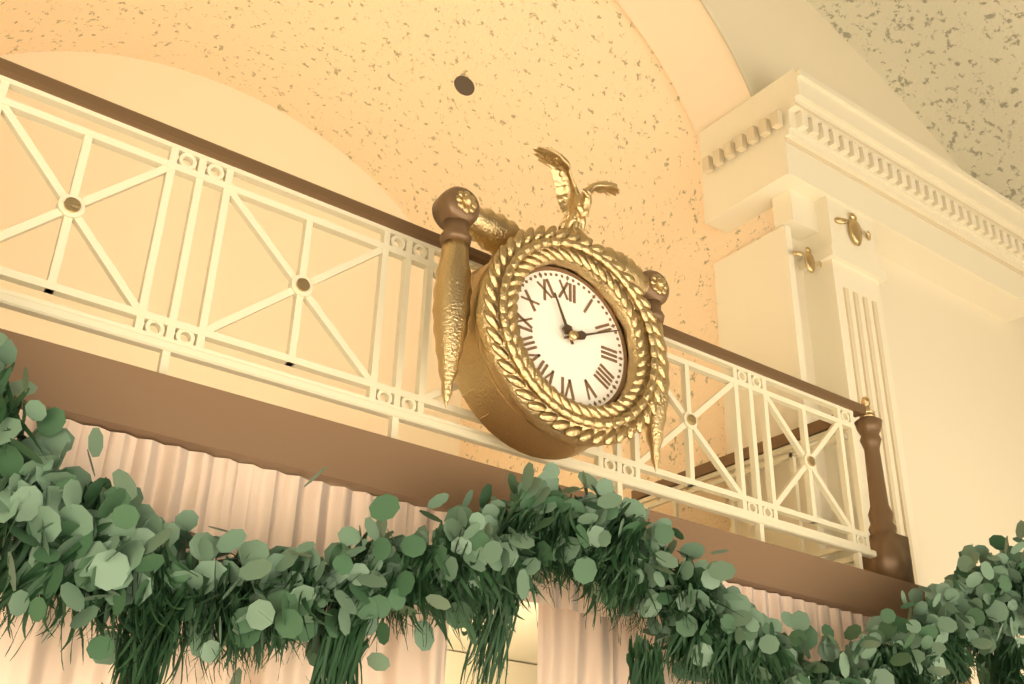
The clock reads {"hour": 11, "minute": 11}
